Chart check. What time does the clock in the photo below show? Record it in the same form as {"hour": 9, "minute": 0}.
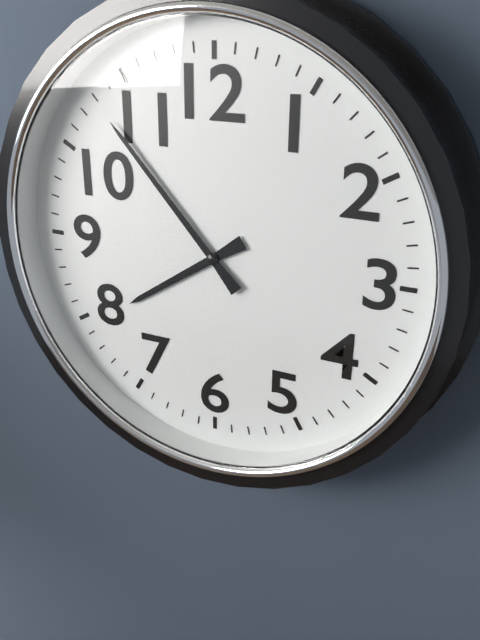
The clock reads {"hour": 7, "minute": 53}
